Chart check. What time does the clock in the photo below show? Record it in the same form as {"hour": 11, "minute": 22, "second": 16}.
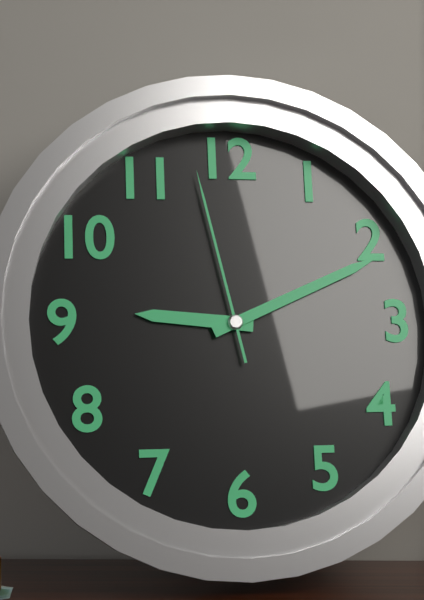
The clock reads {"hour": 9, "minute": 11, "second": 58}
